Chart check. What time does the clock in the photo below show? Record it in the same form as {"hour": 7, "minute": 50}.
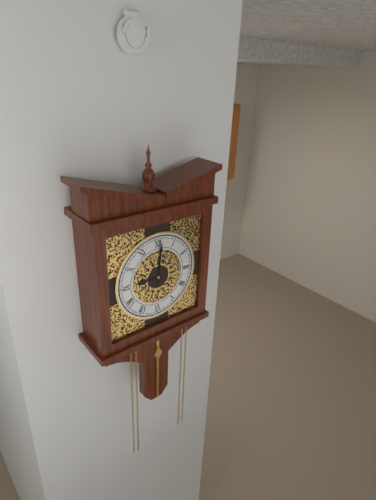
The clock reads {"hour": 9, "minute": 1}
